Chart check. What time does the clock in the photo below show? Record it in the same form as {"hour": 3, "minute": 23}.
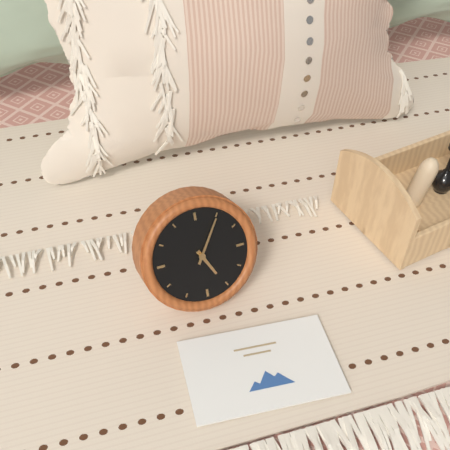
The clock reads {"hour": 5, "minute": 5}
